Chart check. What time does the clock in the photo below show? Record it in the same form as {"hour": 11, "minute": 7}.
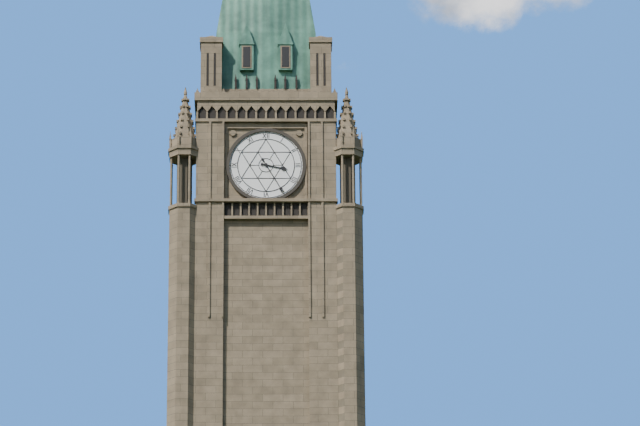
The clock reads {"hour": 3, "minute": 25}
